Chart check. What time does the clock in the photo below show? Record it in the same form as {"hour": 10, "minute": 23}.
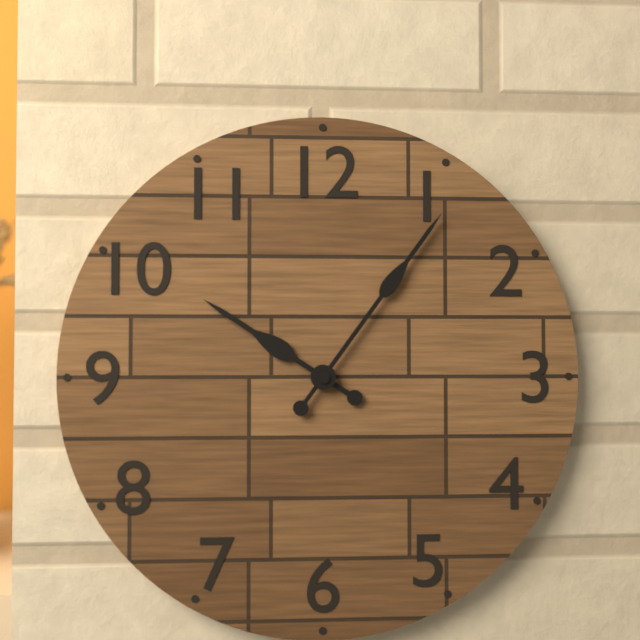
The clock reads {"hour": 10, "minute": 6}
